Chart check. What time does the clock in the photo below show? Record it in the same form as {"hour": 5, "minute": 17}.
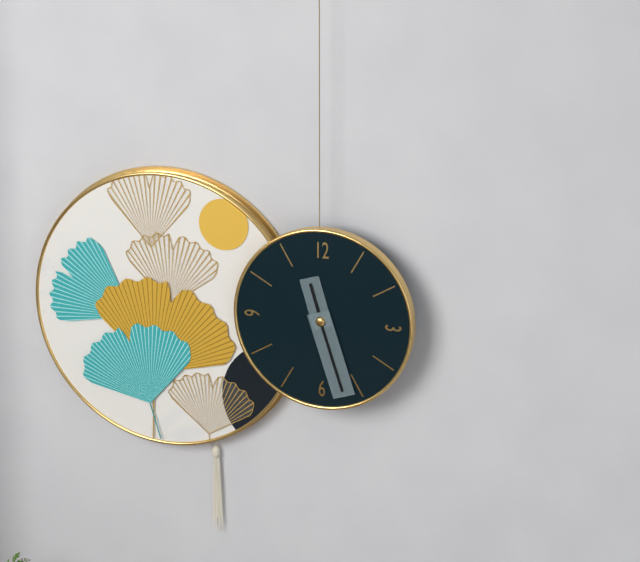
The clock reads {"hour": 11, "minute": 27}
